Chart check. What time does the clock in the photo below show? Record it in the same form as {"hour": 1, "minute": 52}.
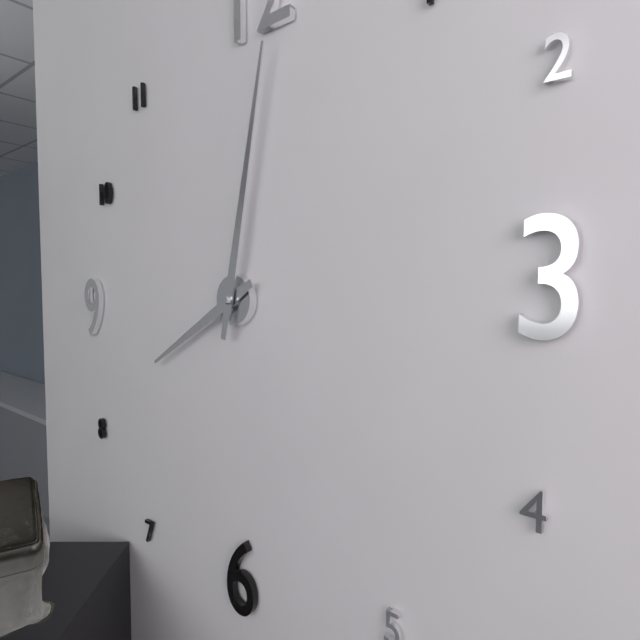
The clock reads {"hour": 8, "minute": 2}
